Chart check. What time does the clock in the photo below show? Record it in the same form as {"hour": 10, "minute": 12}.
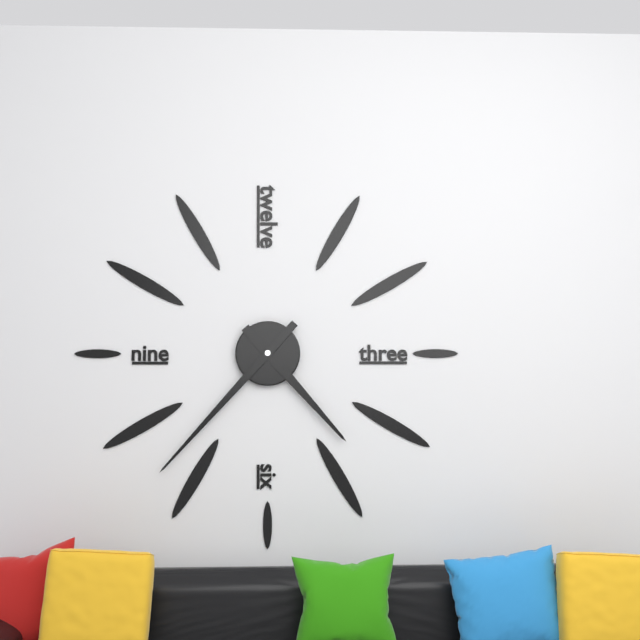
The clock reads {"hour": 4, "minute": 37}
